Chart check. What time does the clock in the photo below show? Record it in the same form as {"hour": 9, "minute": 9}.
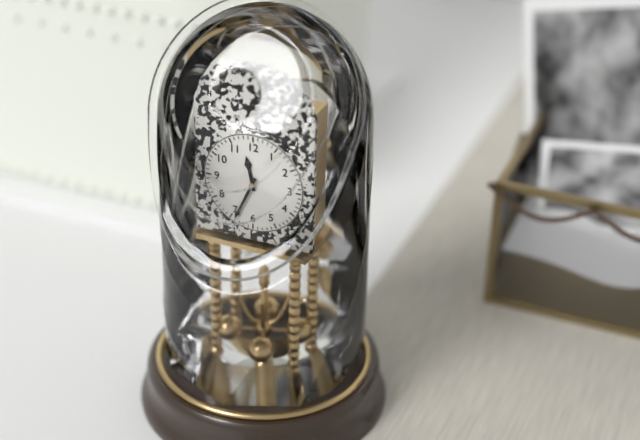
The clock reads {"hour": 11, "minute": 34}
